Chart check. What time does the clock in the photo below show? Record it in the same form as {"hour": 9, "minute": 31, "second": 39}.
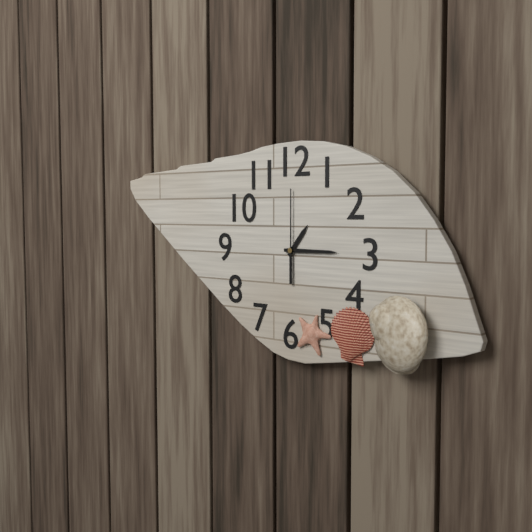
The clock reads {"hour": 1, "minute": 15, "second": 0}
